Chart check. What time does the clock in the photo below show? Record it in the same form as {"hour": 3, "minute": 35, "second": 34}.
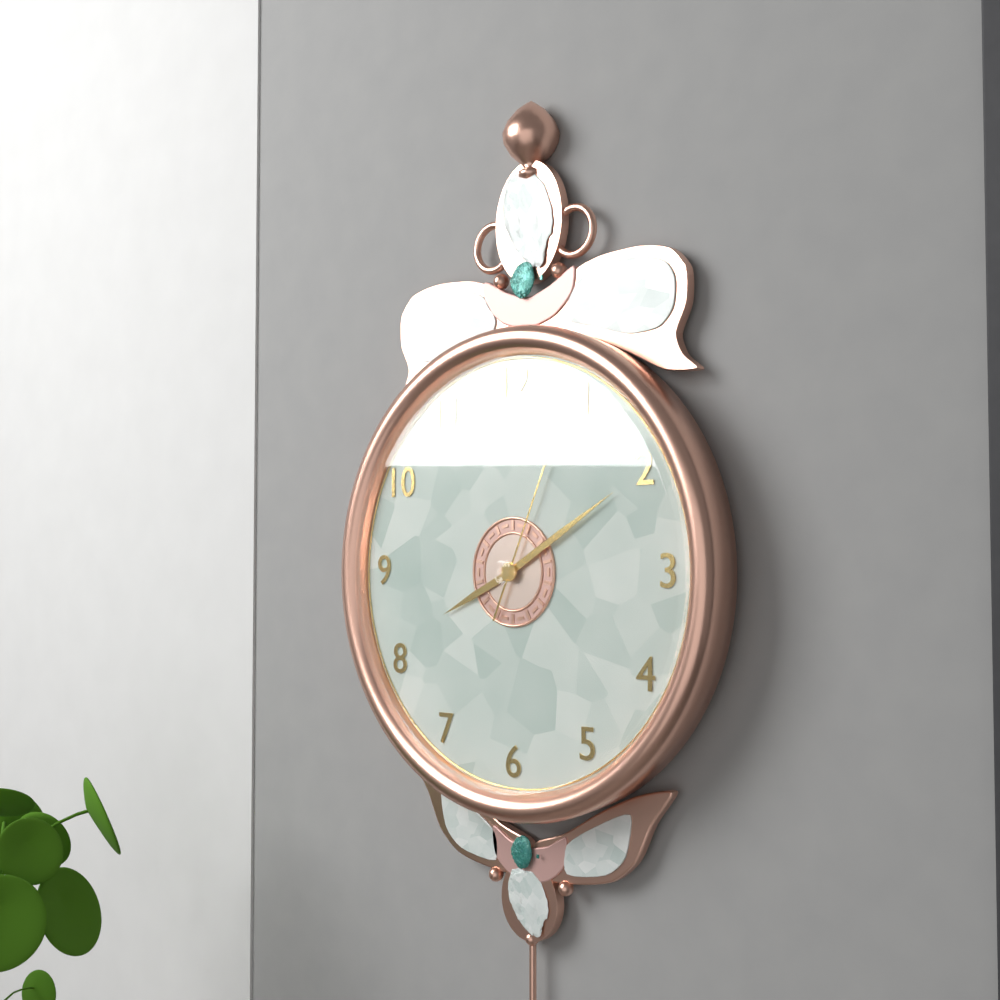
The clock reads {"hour": 8, "minute": 10, "second": 4}
